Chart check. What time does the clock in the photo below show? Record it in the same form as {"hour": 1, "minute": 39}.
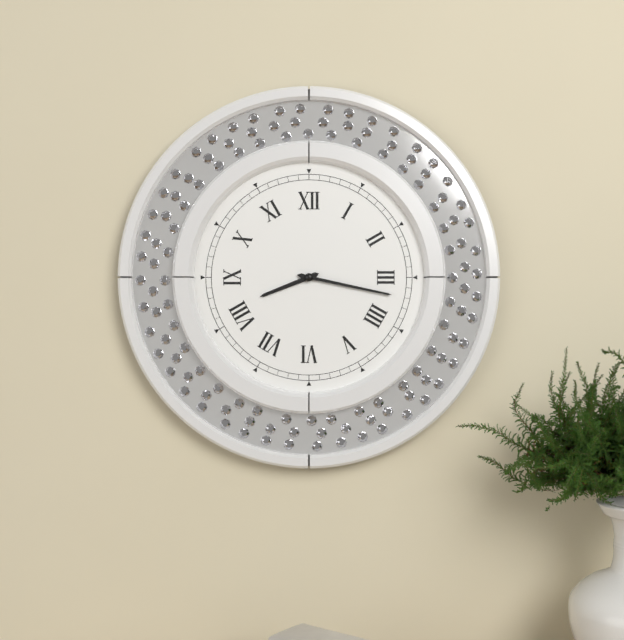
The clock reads {"hour": 8, "minute": 17}
